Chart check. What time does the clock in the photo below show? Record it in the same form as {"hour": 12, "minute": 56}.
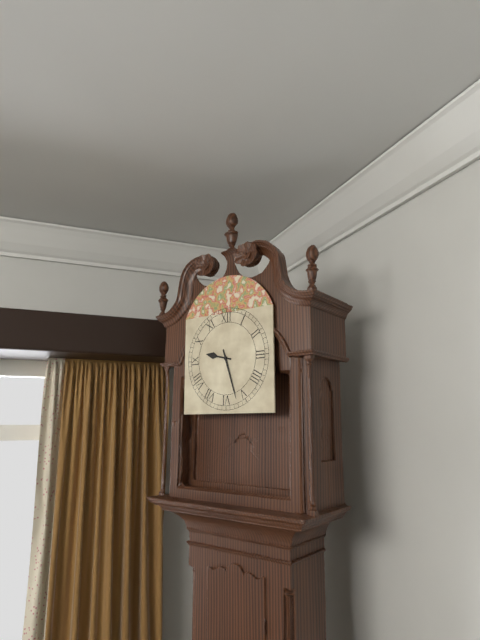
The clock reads {"hour": 9, "minute": 27}
